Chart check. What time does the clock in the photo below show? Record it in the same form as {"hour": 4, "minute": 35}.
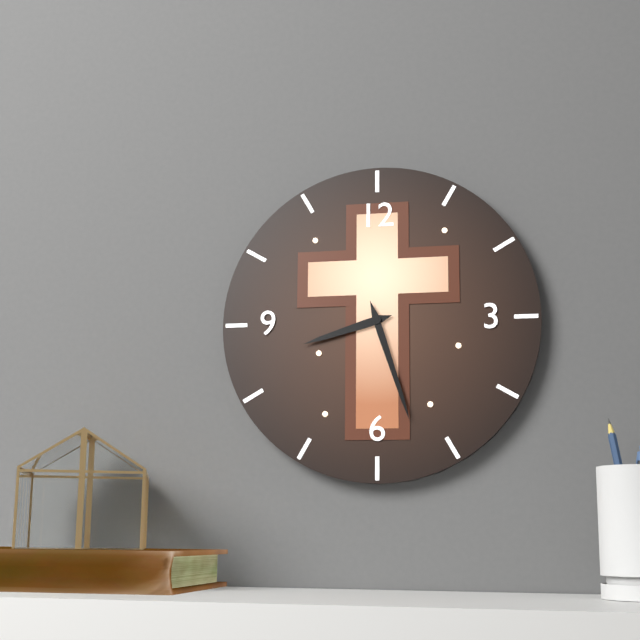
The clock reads {"hour": 8, "minute": 27}
